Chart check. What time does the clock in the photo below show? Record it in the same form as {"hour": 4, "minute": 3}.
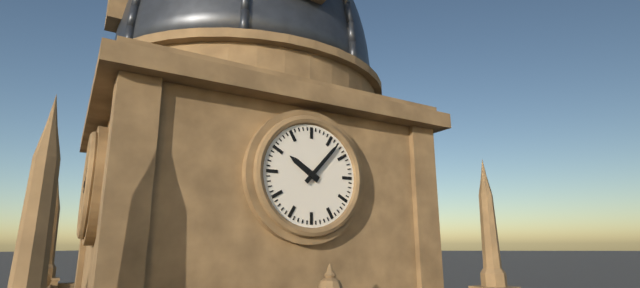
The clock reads {"hour": 10, "minute": 7}
